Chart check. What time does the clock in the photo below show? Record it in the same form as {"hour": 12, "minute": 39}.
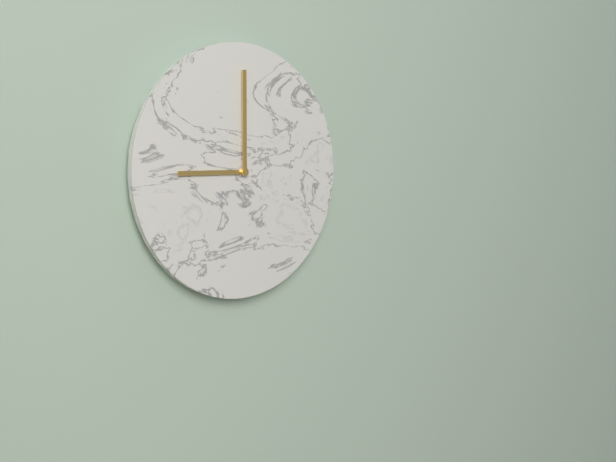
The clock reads {"hour": 9, "minute": 0}
